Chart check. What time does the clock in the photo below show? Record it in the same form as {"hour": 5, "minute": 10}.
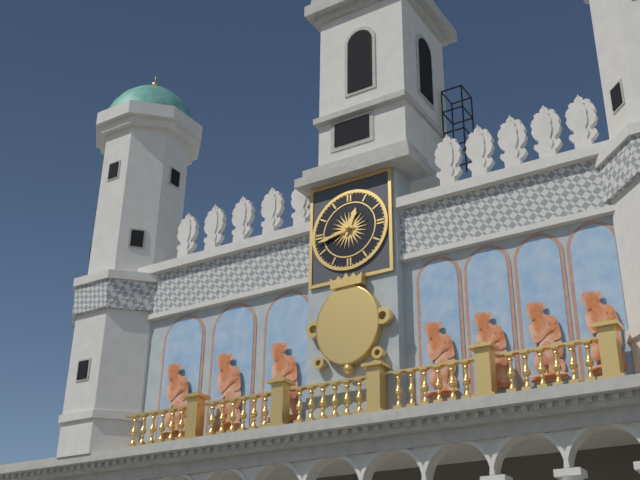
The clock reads {"hour": 12, "minute": 43}
